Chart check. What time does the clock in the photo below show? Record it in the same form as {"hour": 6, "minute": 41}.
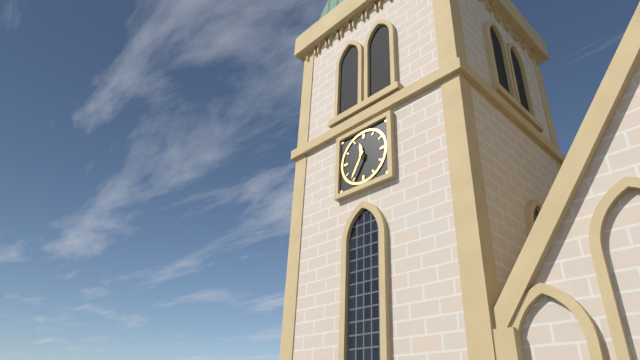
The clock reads {"hour": 11, "minute": 35}
